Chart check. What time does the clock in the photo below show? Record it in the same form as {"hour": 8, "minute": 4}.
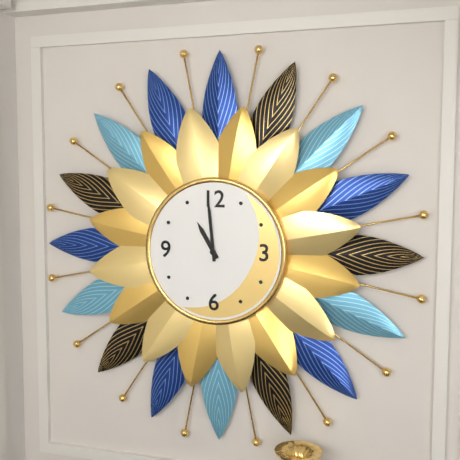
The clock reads {"hour": 10, "minute": 59}
